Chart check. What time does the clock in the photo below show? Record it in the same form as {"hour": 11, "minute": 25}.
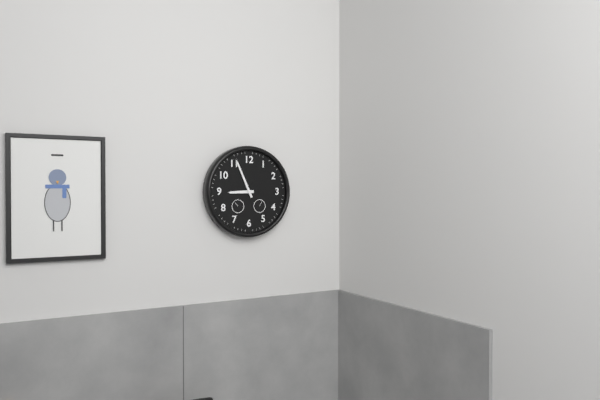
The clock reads {"hour": 8, "minute": 56}
